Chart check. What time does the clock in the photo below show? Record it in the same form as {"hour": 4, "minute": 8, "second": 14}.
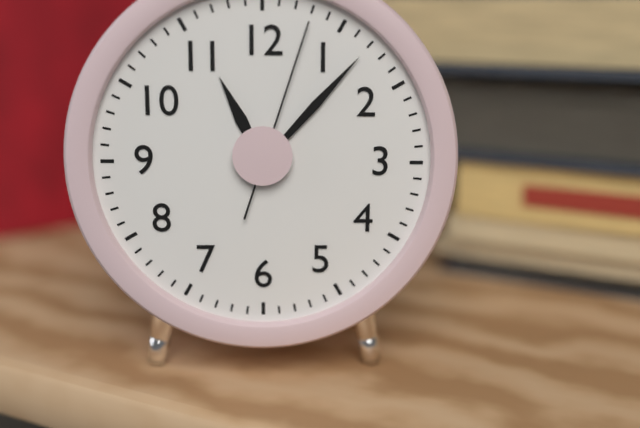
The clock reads {"hour": 11, "minute": 7, "second": 3}
